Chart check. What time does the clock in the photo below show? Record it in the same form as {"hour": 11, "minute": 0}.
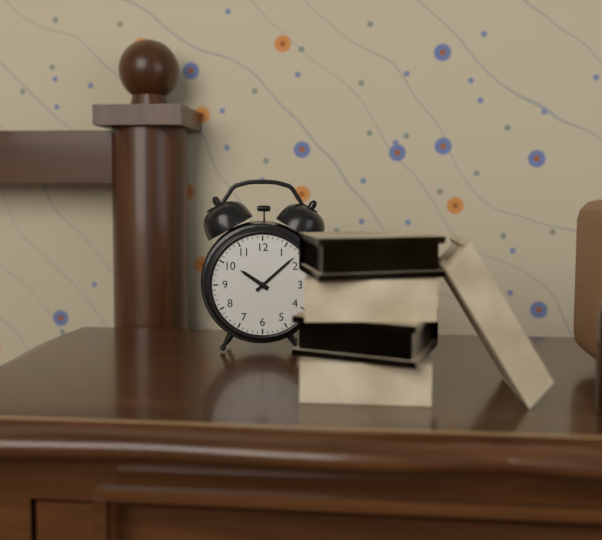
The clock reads {"hour": 10, "minute": 8}
